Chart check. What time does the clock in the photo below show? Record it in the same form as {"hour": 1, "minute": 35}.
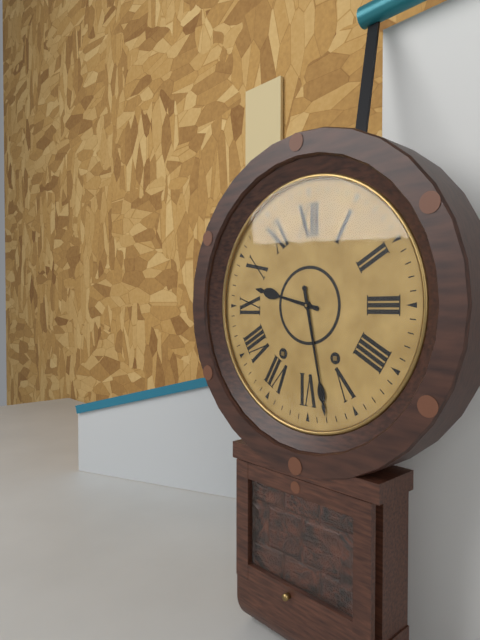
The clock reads {"hour": 9, "minute": 28}
